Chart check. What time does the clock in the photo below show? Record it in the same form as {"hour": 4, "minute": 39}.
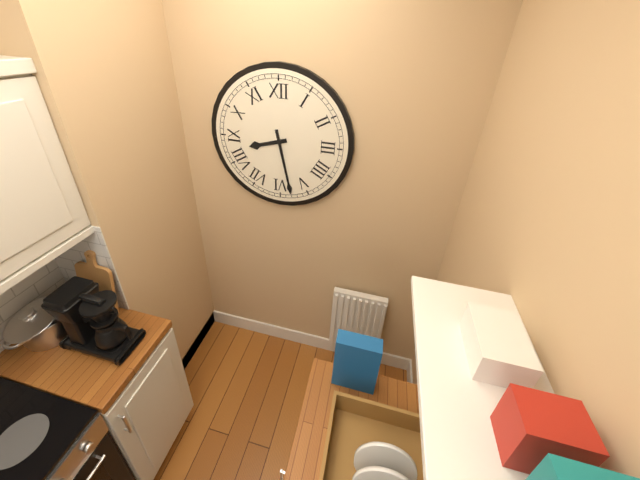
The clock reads {"hour": 8, "minute": 28}
